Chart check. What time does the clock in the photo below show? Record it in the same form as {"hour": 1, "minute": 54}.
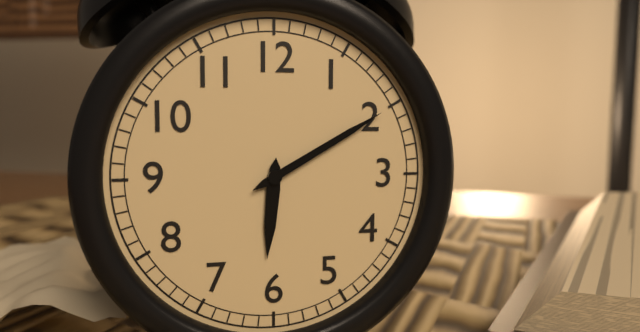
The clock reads {"hour": 6, "minute": 10}
